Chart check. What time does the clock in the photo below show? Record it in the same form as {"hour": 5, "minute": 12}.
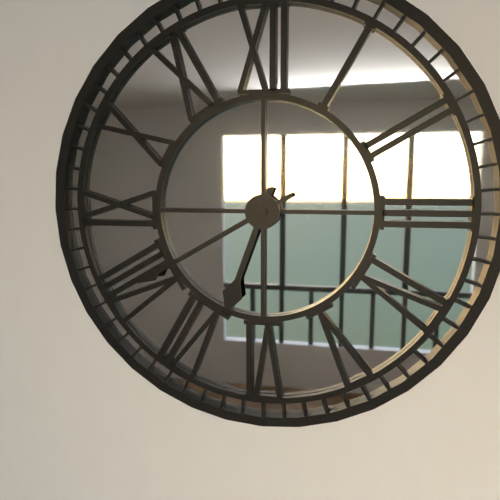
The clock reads {"hour": 6, "minute": 40}
